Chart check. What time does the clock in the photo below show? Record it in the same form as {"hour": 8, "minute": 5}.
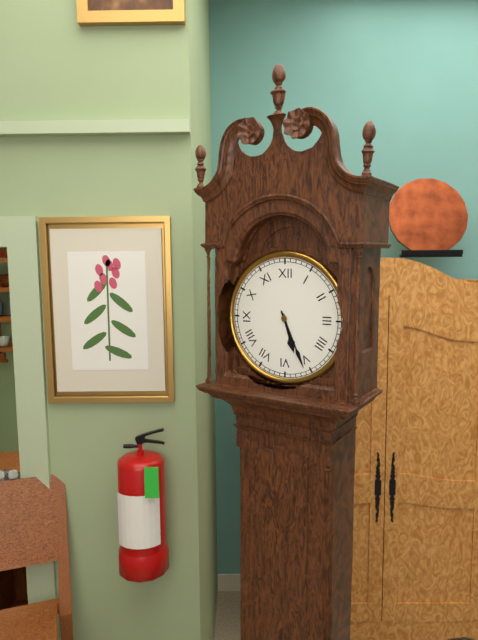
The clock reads {"hour": 5, "minute": 26}
